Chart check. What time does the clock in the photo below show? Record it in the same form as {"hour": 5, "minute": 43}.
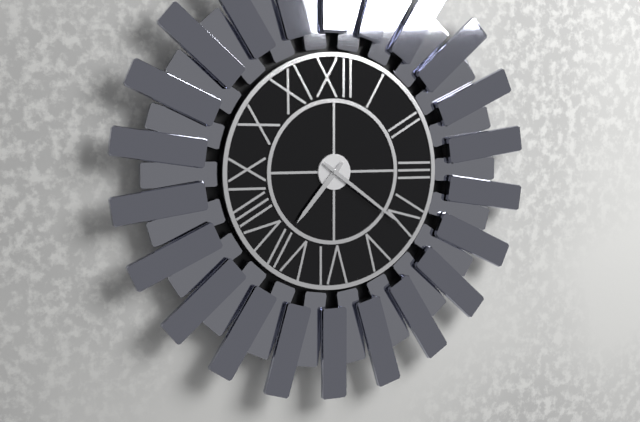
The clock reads {"hour": 7, "minute": 21}
